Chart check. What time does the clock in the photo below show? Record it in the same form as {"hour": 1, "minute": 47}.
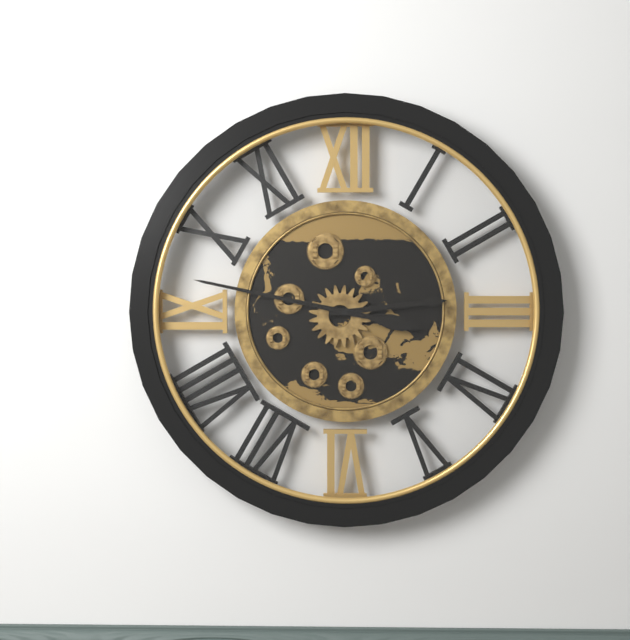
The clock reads {"hour": 2, "minute": 47}
